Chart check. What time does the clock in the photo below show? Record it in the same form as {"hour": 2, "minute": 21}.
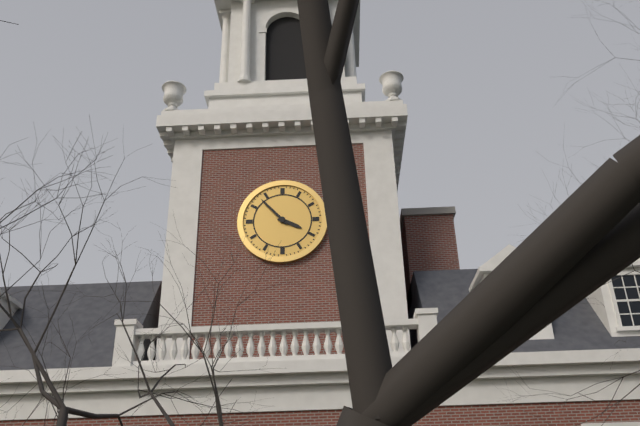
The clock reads {"hour": 3, "minute": 53}
